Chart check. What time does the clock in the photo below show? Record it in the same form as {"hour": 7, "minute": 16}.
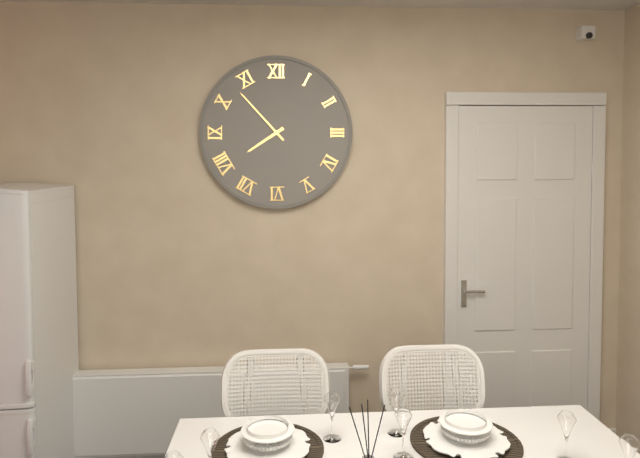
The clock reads {"hour": 7, "minute": 53}
